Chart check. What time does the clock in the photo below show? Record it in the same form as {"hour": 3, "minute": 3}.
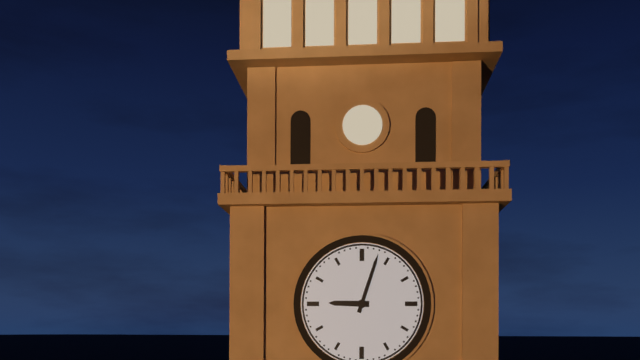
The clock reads {"hour": 9, "minute": 3}
